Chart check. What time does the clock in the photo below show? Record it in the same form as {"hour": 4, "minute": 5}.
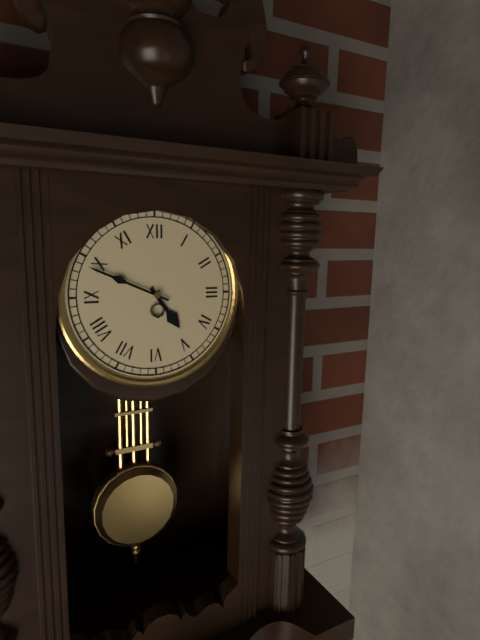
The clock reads {"hour": 4, "minute": 49}
